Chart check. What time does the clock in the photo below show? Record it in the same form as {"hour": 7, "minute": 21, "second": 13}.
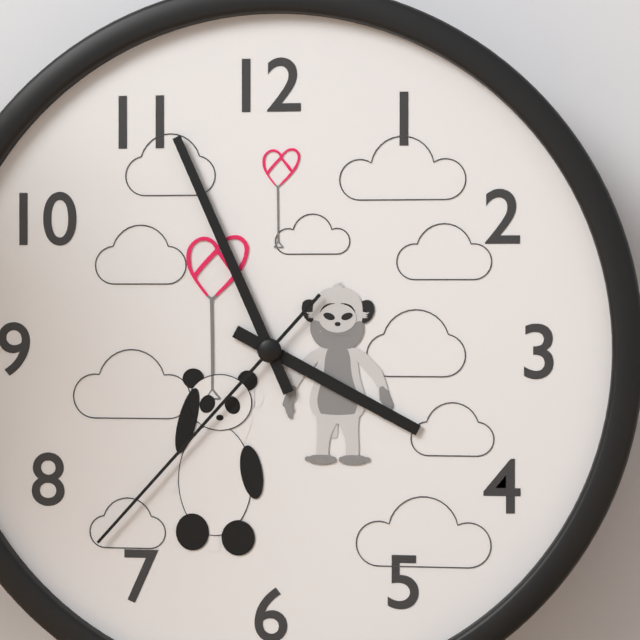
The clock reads {"hour": 3, "minute": 56, "second": 37}
